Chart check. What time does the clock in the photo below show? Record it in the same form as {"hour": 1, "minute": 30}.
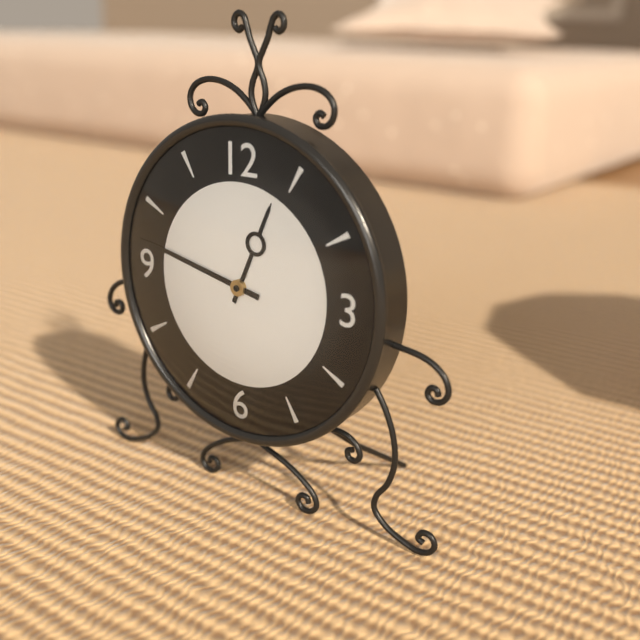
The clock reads {"hour": 12, "minute": 47}
